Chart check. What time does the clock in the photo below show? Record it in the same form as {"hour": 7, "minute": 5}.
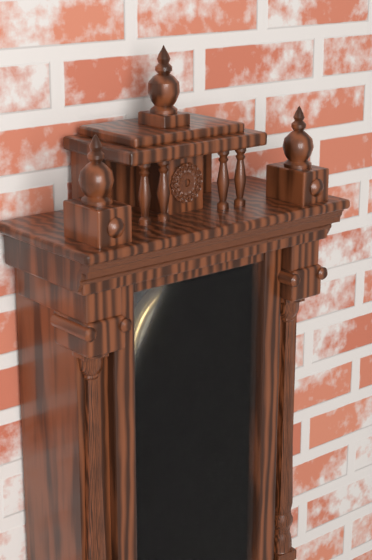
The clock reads {"hour": 10, "minute": 22}
